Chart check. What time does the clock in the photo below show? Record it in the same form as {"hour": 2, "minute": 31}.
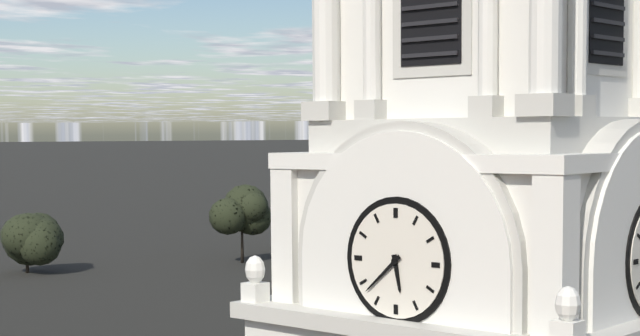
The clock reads {"hour": 5, "minute": 38}
